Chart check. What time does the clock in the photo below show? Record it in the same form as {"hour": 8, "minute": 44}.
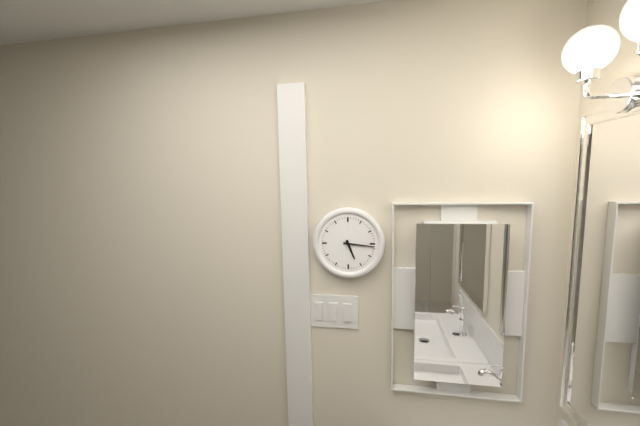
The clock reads {"hour": 5, "minute": 16}
